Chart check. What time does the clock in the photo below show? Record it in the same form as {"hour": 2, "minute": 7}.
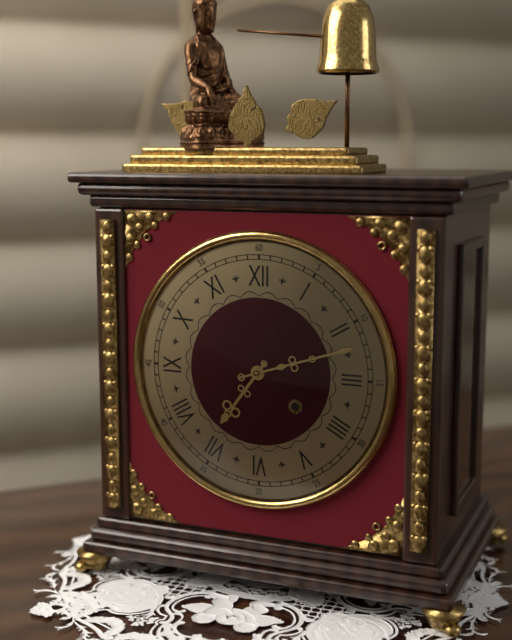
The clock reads {"hour": 7, "minute": 12}
